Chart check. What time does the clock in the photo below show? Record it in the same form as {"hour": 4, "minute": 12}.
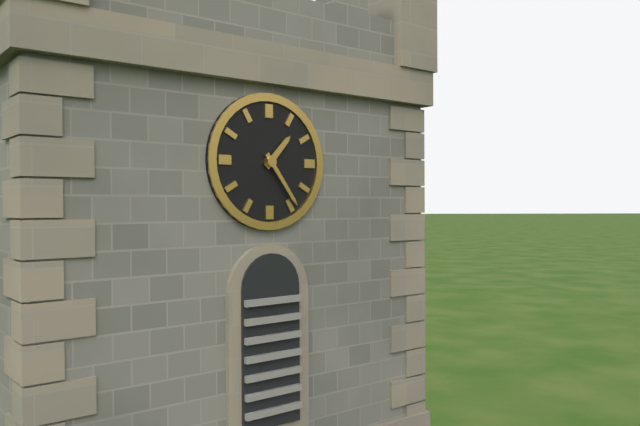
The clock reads {"hour": 1, "minute": 24}
